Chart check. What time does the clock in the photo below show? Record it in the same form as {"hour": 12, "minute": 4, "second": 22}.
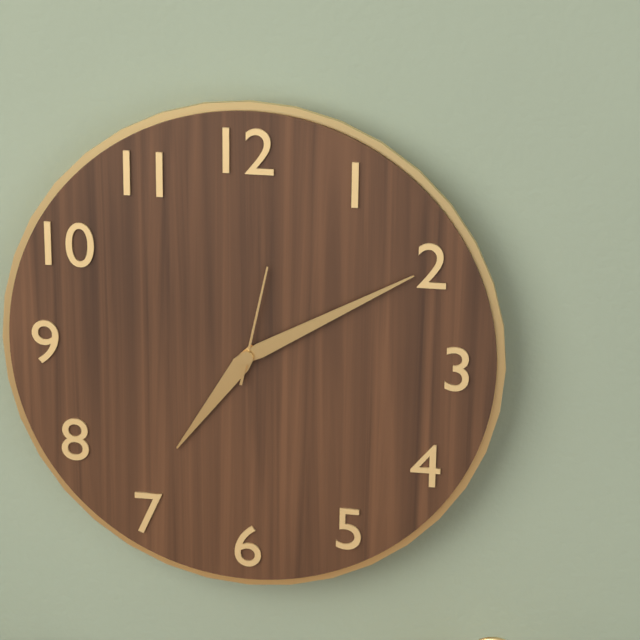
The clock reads {"hour": 7, "minute": 10, "second": 2}
